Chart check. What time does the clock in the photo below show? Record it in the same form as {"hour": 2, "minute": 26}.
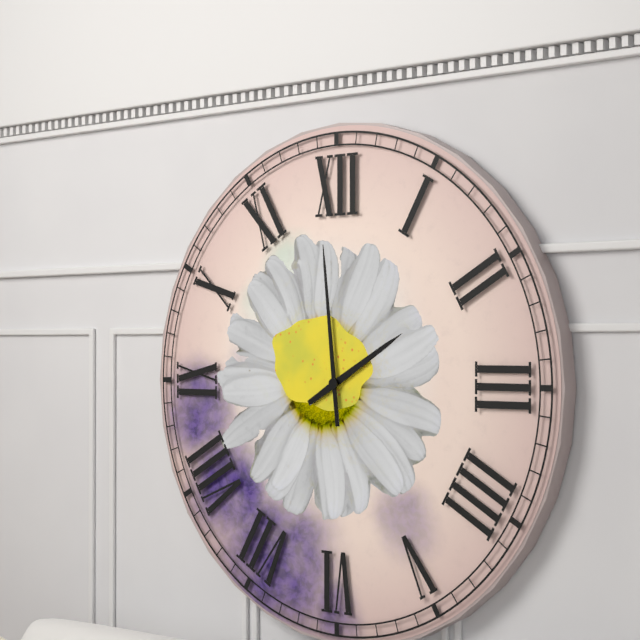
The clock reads {"hour": 1, "minute": 59}
